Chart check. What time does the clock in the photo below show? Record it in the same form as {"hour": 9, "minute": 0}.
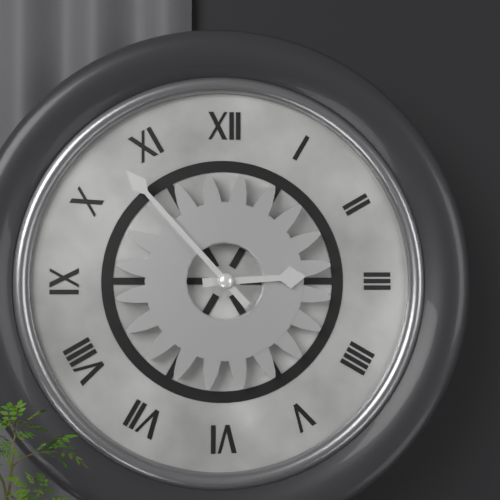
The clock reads {"hour": 2, "minute": 53}
